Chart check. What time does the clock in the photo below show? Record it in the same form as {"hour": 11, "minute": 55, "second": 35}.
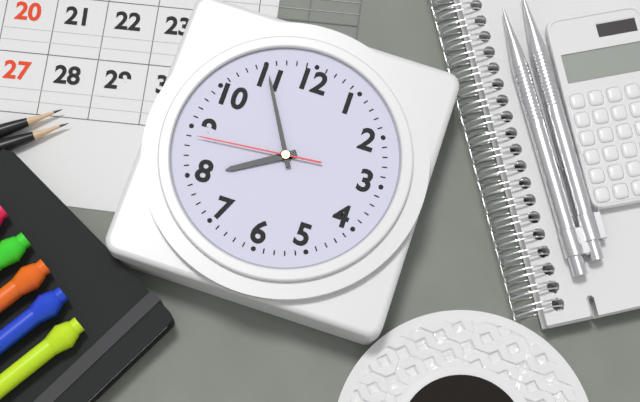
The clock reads {"hour": 7, "minute": 55, "second": 44}
